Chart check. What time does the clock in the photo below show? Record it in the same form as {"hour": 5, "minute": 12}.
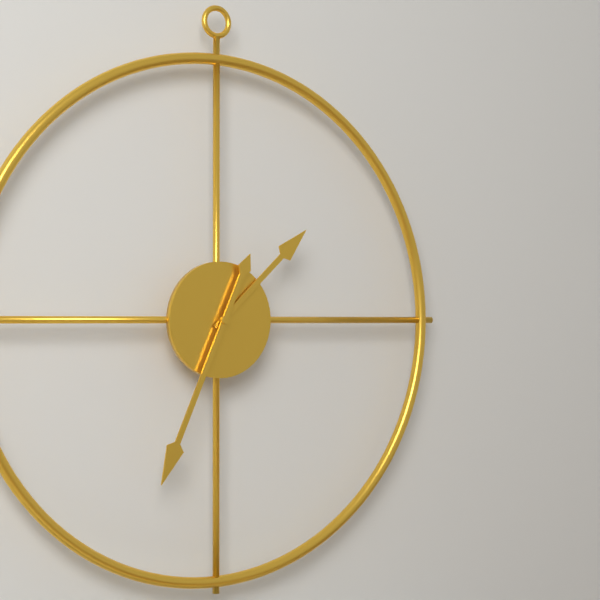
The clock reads {"hour": 1, "minute": 34}
